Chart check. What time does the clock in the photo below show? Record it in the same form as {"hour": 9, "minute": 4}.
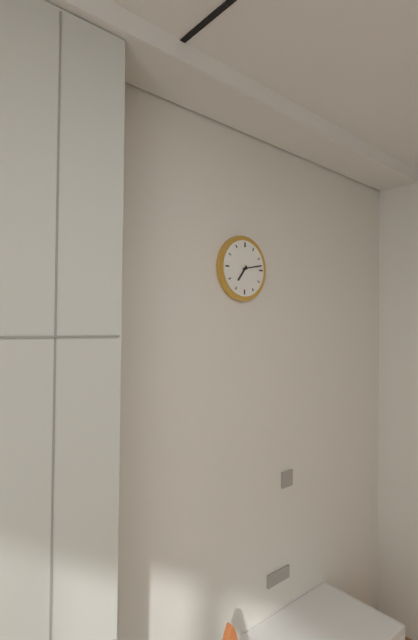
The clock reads {"hour": 7, "minute": 13}
